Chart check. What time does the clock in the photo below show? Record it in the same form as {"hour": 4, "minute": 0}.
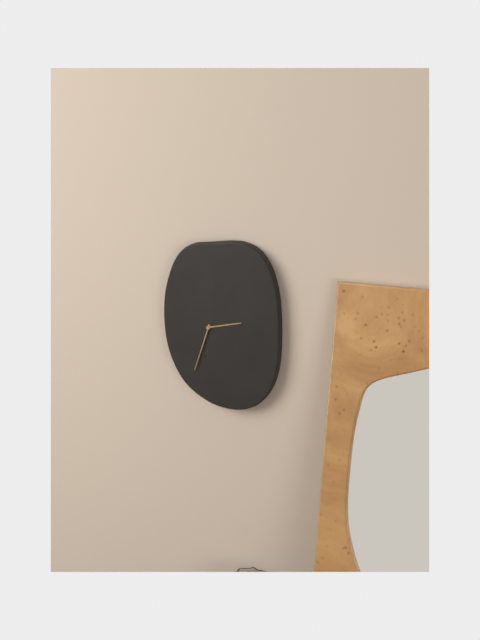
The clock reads {"hour": 2, "minute": 33}
